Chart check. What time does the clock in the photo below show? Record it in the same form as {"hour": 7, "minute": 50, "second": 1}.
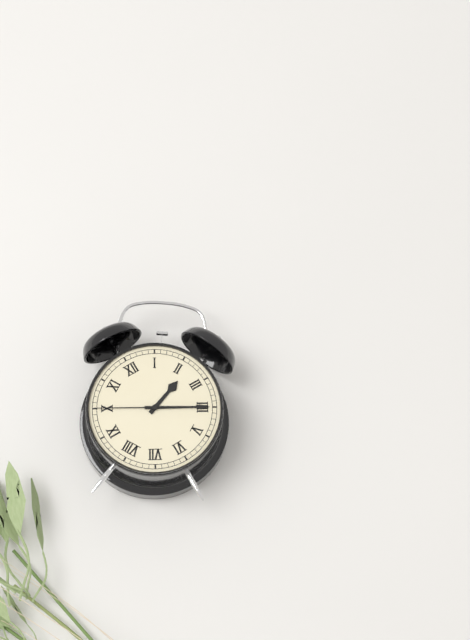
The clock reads {"hour": 2, "minute": 20, "second": 50}
